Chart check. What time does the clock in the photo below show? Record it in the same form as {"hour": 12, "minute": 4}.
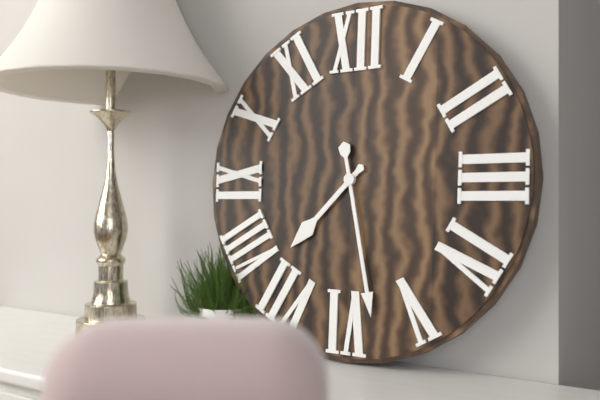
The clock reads {"hour": 7, "minute": 28}
